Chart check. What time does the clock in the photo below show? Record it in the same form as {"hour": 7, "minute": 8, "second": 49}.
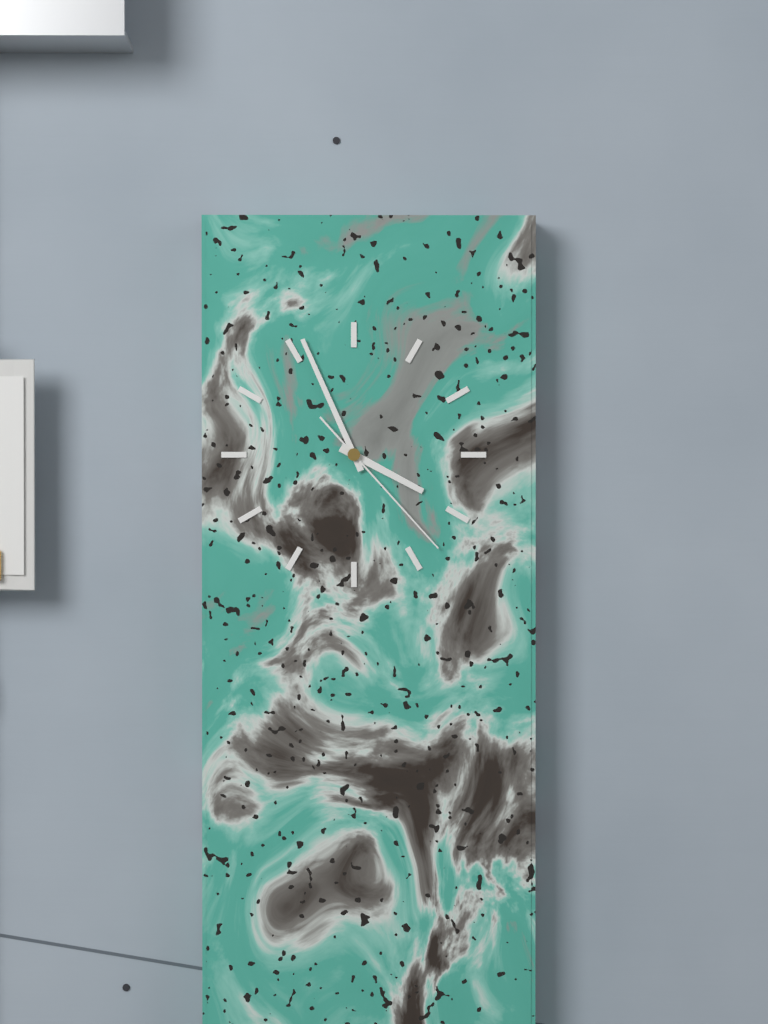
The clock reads {"hour": 3, "minute": 56, "second": 23}
